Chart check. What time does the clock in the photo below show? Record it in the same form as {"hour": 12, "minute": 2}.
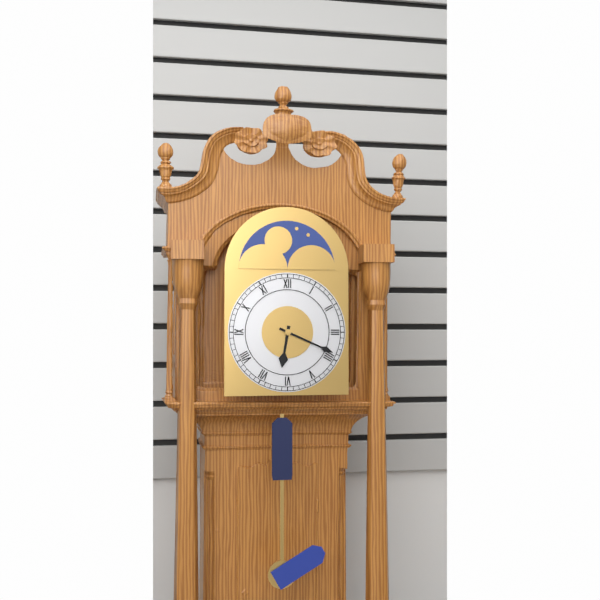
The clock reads {"hour": 6, "minute": 19}
